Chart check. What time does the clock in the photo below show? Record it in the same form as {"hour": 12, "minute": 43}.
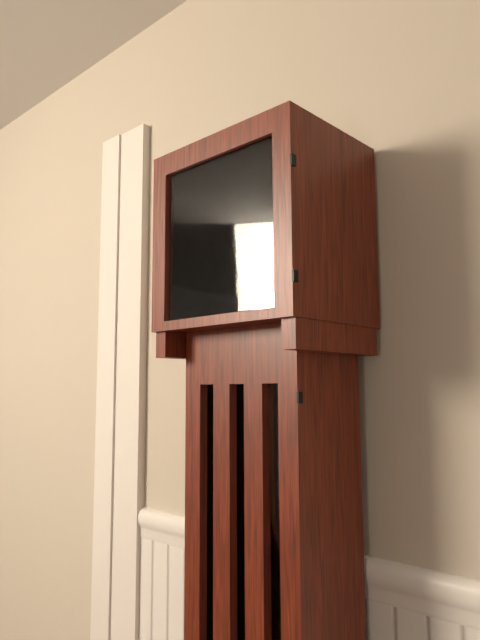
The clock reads {"hour": 12, "minute": 56}
